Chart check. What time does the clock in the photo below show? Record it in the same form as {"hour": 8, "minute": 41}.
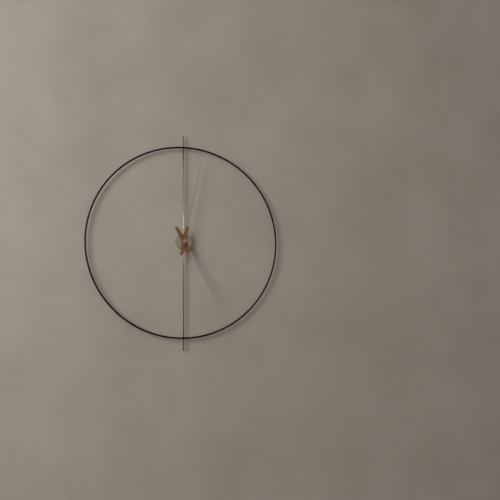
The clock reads {"hour": 5, "minute": 2}
